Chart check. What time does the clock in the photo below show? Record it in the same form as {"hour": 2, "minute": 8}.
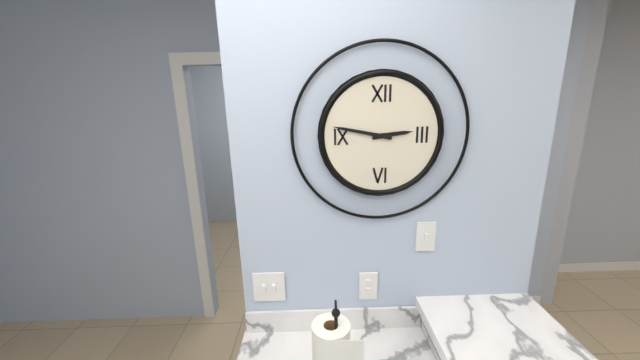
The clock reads {"hour": 2, "minute": 47}
